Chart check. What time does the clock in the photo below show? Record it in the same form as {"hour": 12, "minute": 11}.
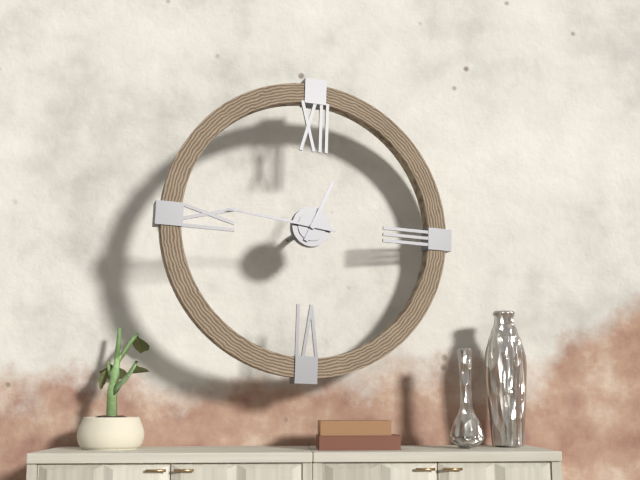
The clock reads {"hour": 12, "minute": 46}
